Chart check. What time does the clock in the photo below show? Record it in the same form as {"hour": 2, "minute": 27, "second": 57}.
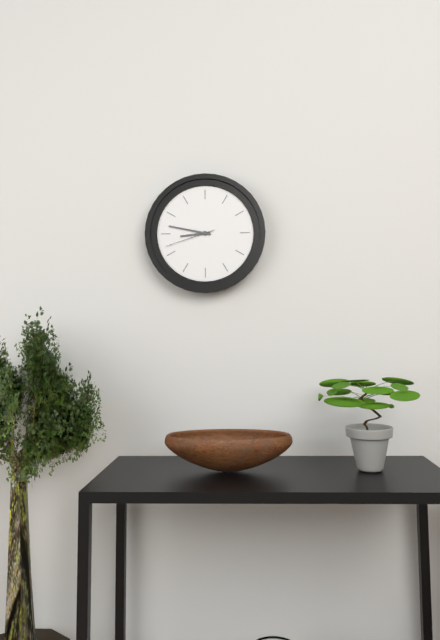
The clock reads {"hour": 8, "minute": 47, "second": 42}
